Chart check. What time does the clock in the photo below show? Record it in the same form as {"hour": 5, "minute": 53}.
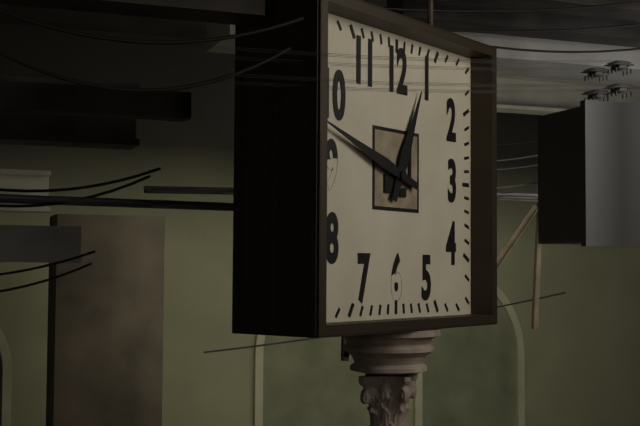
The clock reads {"hour": 12, "minute": 48}
